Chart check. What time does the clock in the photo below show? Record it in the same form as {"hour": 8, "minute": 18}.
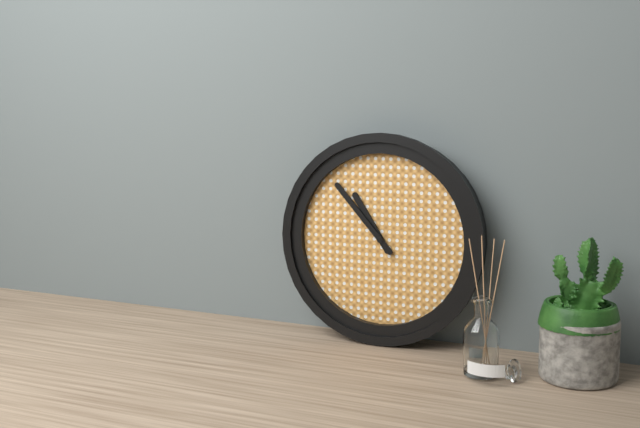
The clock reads {"hour": 10, "minute": 53}
